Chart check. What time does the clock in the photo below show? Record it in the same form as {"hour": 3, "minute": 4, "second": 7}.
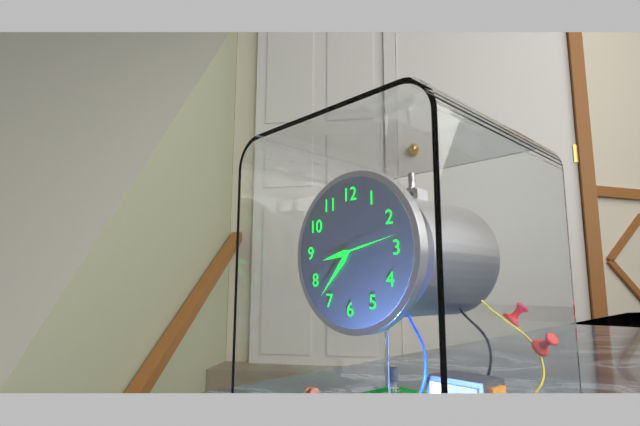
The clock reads {"hour": 8, "minute": 37, "second": 13}
